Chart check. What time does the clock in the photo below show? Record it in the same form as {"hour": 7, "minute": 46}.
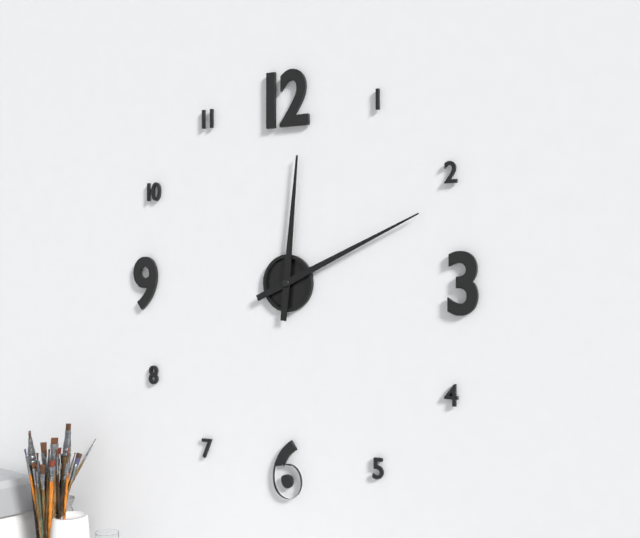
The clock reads {"hour": 12, "minute": 11}
